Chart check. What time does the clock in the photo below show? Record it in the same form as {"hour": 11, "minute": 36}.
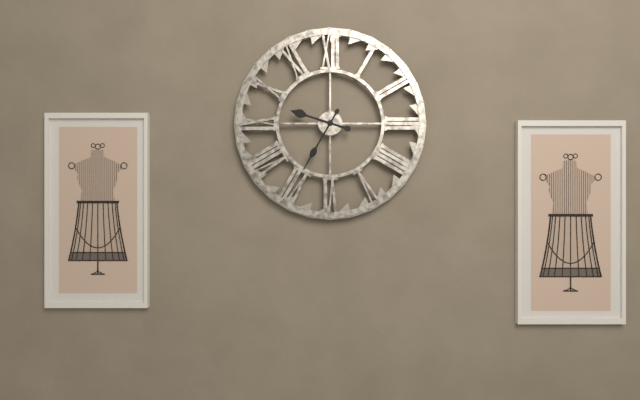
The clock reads {"hour": 9, "minute": 35}
